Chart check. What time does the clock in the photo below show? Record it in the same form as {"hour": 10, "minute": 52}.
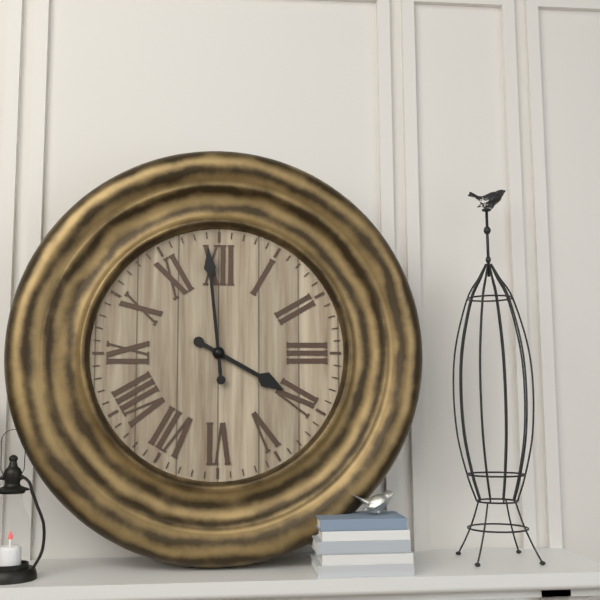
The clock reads {"hour": 3, "minute": 59}
